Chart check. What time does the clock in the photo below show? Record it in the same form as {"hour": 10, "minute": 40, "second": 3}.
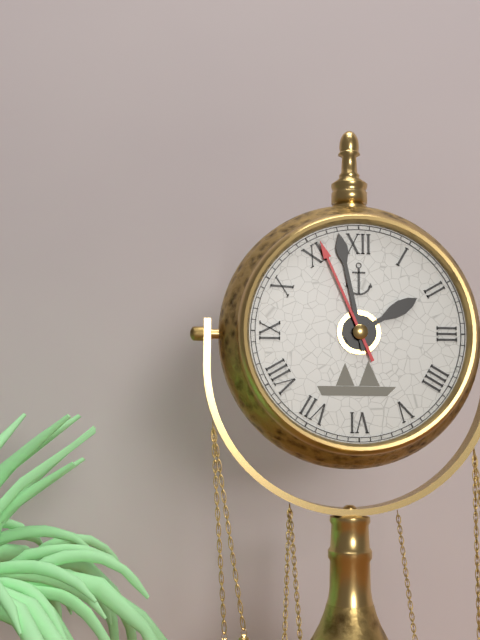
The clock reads {"hour": 1, "minute": 58, "second": 56}
